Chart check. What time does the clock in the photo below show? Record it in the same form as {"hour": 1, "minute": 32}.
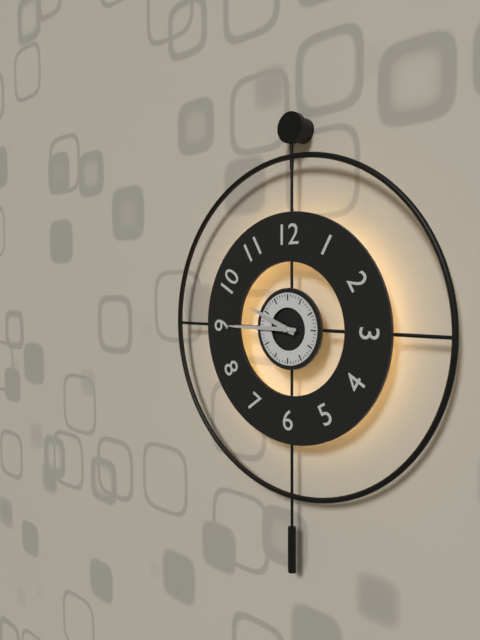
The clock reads {"hour": 9, "minute": 45}
